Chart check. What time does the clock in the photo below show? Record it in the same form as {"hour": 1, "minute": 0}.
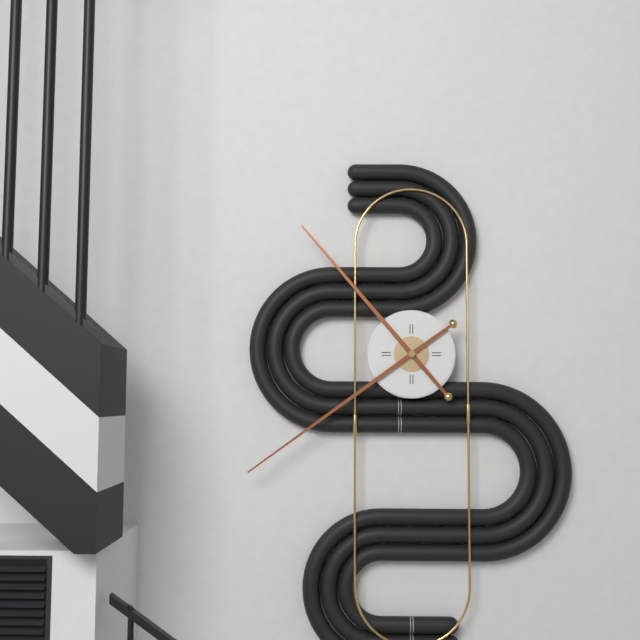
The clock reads {"hour": 10, "minute": 39}
